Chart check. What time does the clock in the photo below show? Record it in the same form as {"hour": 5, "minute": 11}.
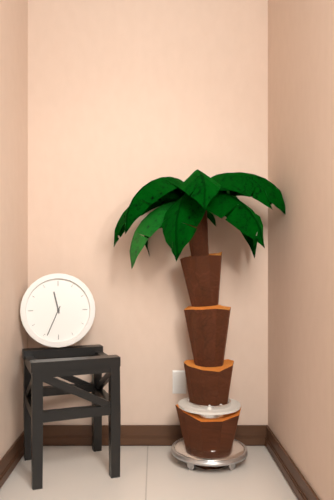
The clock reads {"hour": 11, "minute": 34}
